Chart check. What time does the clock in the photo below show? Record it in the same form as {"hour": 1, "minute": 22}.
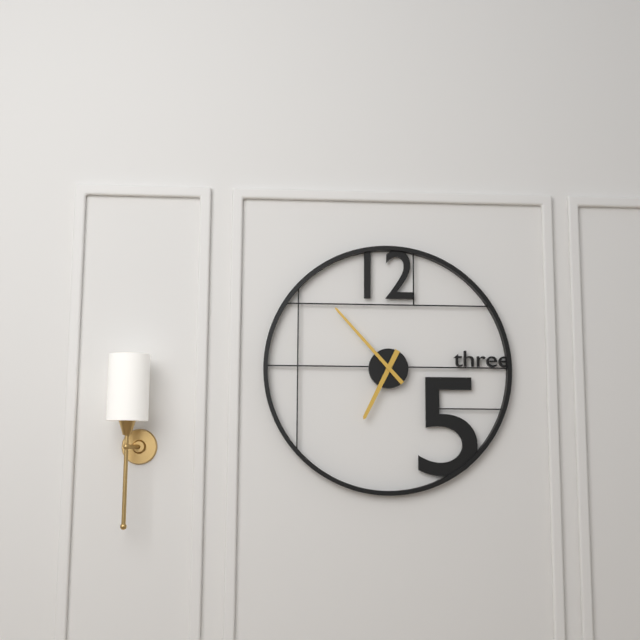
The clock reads {"hour": 6, "minute": 53}
